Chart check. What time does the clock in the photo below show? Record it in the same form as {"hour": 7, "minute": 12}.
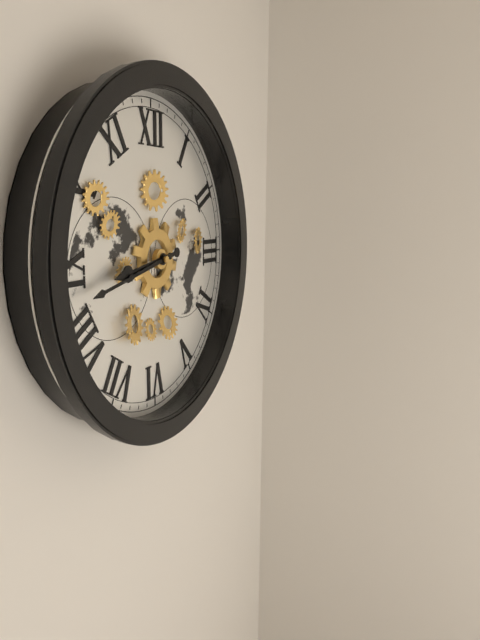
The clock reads {"hour": 8, "minute": 43}
